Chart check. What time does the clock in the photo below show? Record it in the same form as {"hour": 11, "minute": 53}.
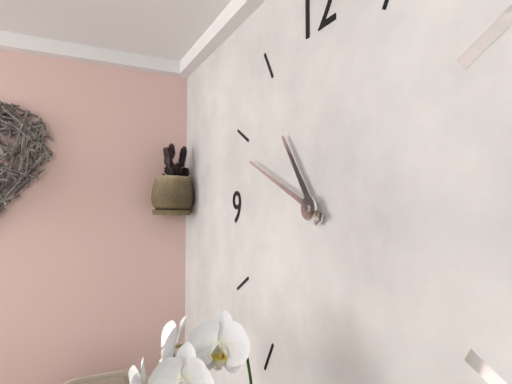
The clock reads {"hour": 10, "minute": 49}
